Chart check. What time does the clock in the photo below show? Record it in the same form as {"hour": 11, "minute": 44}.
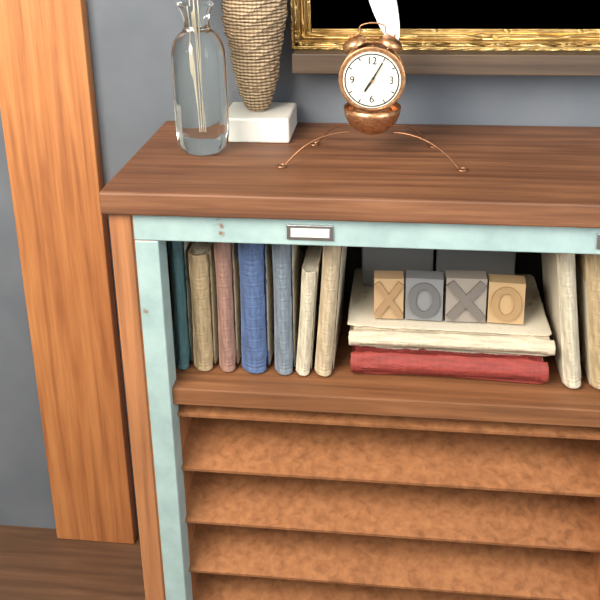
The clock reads {"hour": 7, "minute": 5}
